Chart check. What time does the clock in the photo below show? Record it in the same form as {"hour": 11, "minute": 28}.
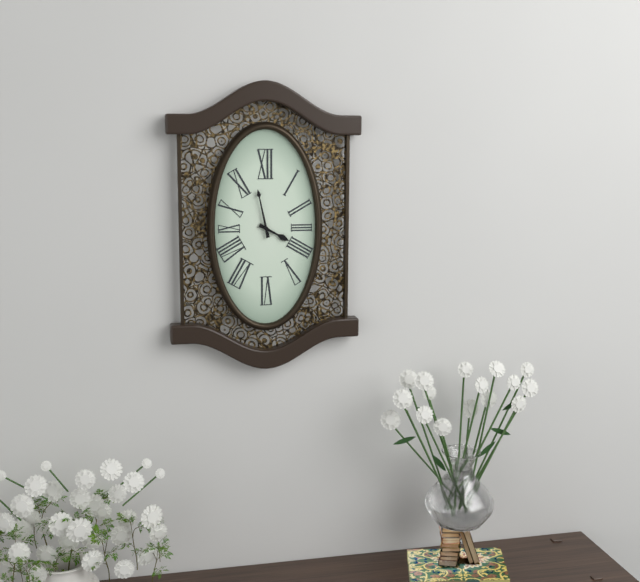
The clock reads {"hour": 3, "minute": 58}
